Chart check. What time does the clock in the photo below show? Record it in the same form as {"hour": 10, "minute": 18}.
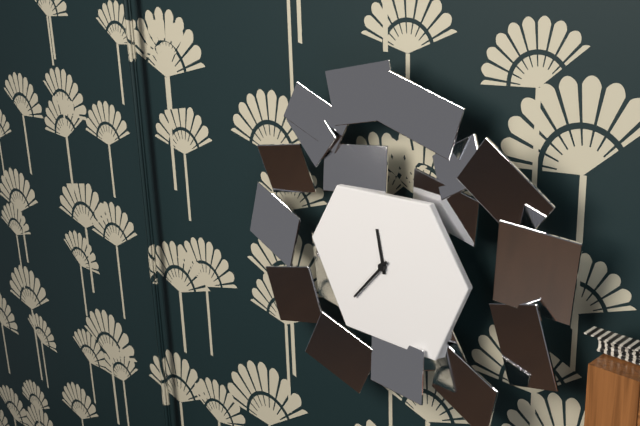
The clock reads {"hour": 11, "minute": 37}
